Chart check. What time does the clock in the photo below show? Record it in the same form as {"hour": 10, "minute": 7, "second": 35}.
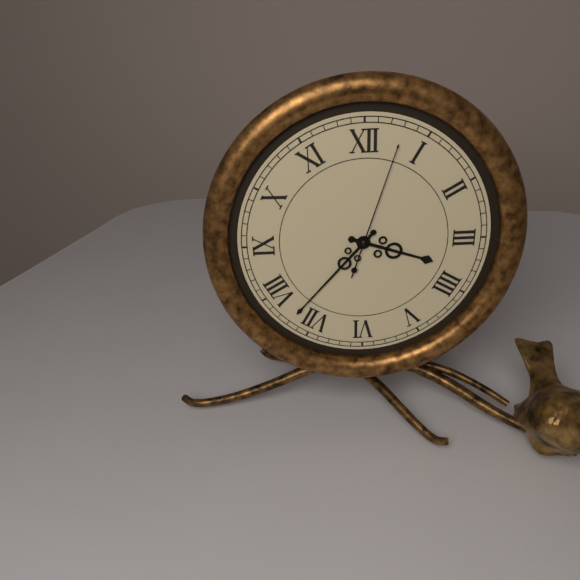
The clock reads {"hour": 3, "minute": 37, "second": 3}
